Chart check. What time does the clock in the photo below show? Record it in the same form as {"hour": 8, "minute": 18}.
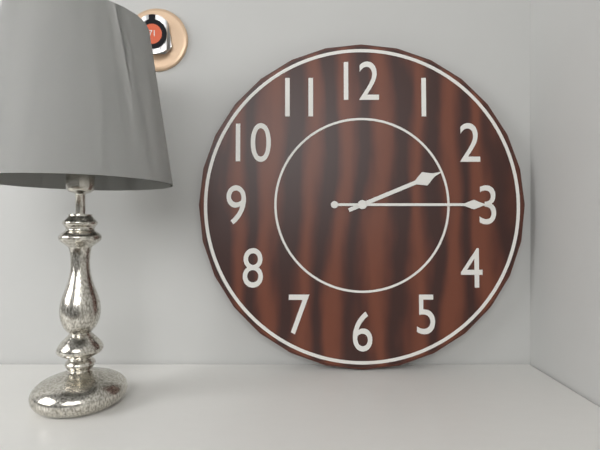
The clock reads {"hour": 2, "minute": 15}
